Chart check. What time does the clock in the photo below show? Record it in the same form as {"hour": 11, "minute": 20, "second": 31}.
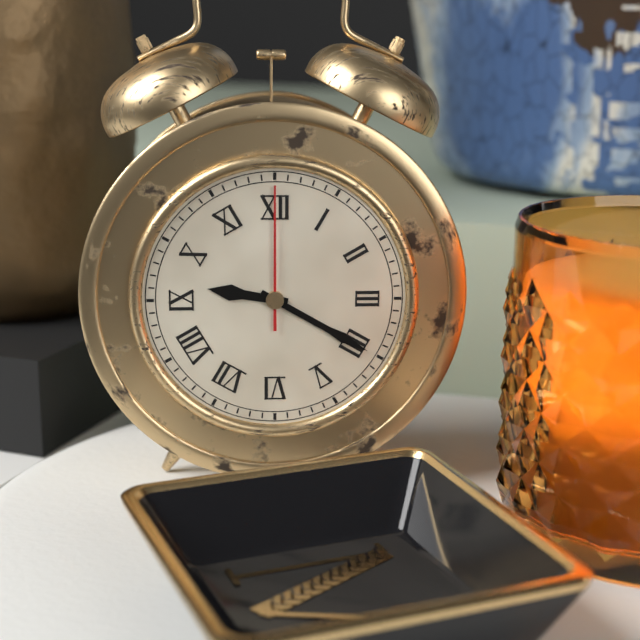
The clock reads {"hour": 9, "minute": 20, "second": 0}
